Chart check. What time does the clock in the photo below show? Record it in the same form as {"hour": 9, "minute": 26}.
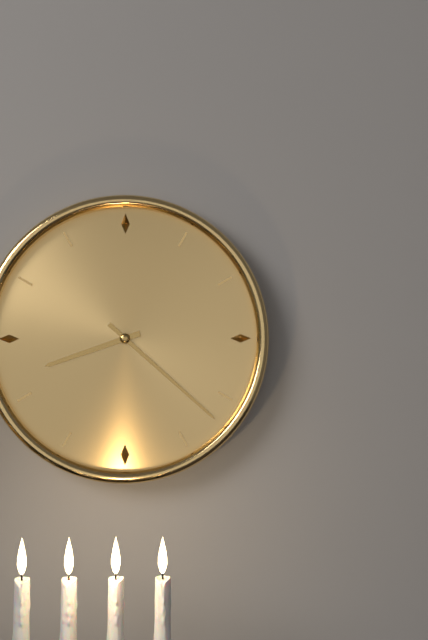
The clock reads {"hour": 8, "minute": 22}
